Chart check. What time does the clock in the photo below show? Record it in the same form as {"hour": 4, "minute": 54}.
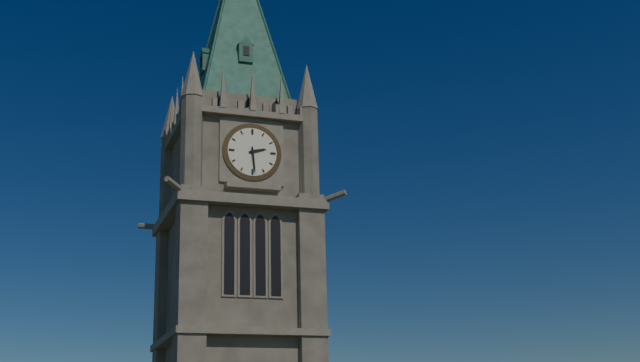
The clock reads {"hour": 2, "minute": 29}
